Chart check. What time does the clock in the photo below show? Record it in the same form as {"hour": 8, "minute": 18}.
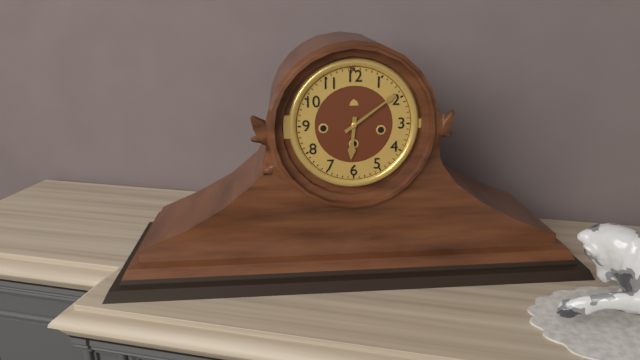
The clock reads {"hour": 6, "minute": 9}
